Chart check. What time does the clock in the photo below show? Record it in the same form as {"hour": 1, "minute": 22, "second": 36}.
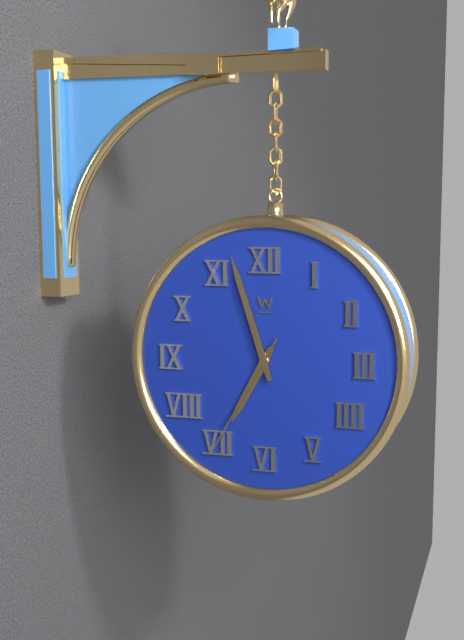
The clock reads {"hour": 6, "minute": 57, "second": 35}
